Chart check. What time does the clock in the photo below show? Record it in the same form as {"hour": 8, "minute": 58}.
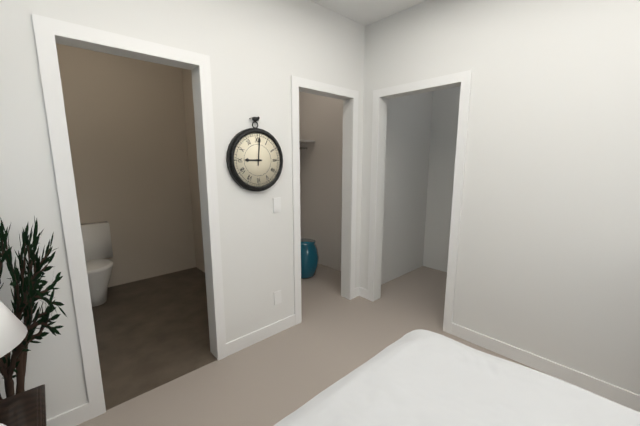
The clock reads {"hour": 9, "minute": 1}
